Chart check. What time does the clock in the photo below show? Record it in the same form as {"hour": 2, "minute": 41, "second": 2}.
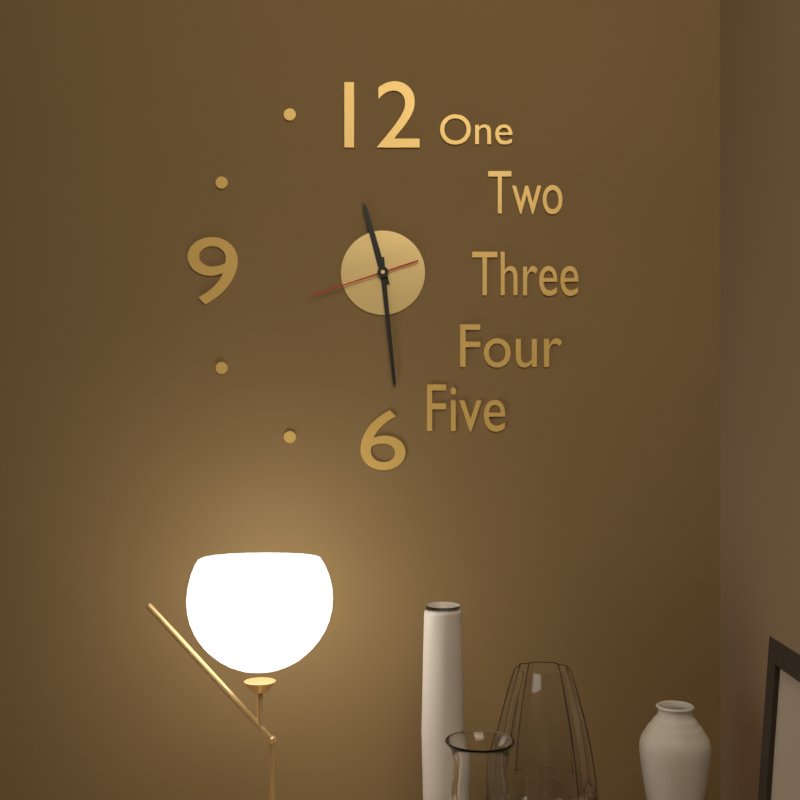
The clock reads {"hour": 11, "minute": 29, "second": 42}
